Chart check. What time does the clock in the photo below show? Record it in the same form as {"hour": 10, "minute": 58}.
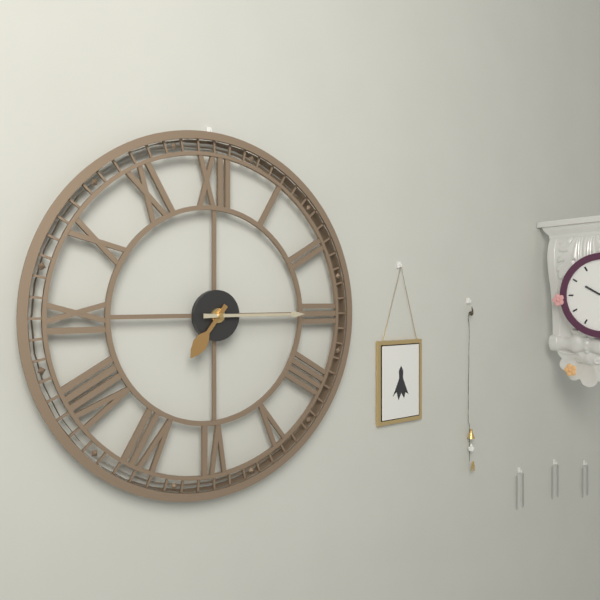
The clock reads {"hour": 7, "minute": 15}
